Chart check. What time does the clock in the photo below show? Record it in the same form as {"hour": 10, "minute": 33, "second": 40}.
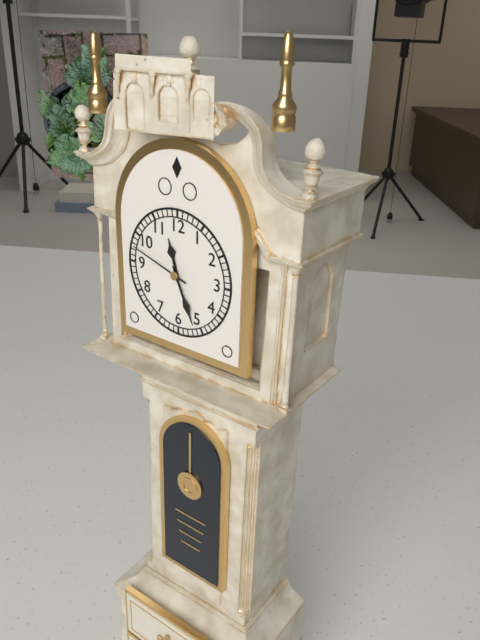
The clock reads {"hour": 11, "minute": 26, "second": 48}
